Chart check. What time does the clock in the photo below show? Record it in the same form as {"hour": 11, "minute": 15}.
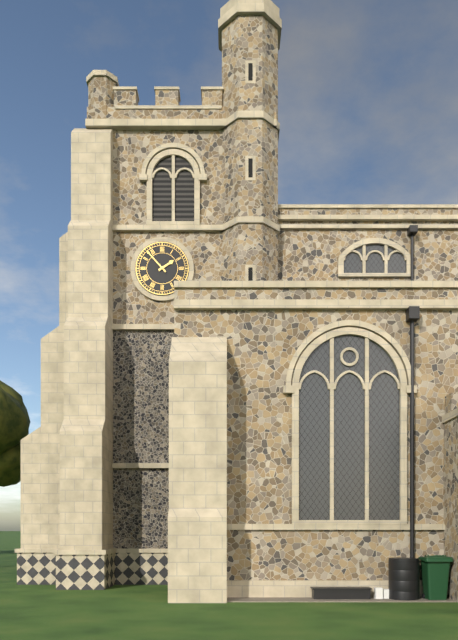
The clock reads {"hour": 1, "minute": 53}
